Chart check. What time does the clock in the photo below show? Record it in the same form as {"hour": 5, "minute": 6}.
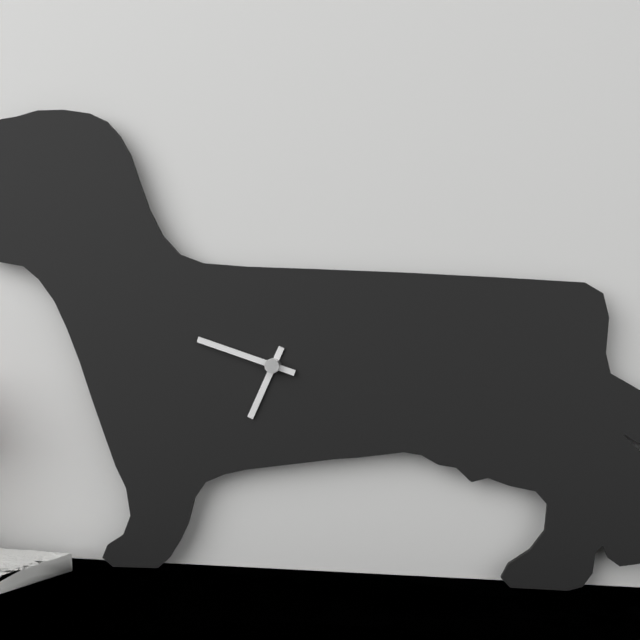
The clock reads {"hour": 6, "minute": 48}
